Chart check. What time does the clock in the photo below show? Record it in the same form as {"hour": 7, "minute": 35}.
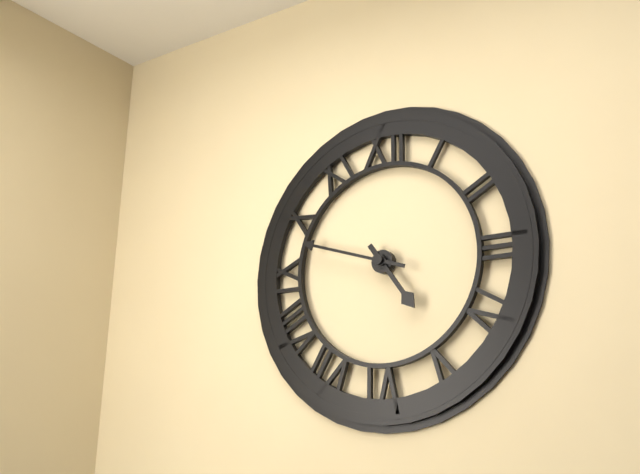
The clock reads {"hour": 4, "minute": 48}
